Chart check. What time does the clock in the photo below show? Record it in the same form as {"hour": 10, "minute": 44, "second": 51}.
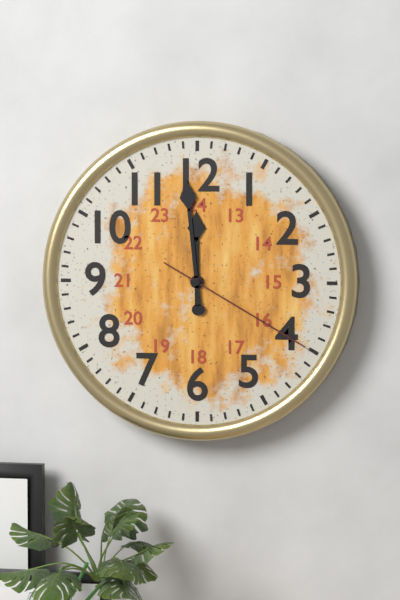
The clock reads {"hour": 11, "minute": 59, "second": 20}
